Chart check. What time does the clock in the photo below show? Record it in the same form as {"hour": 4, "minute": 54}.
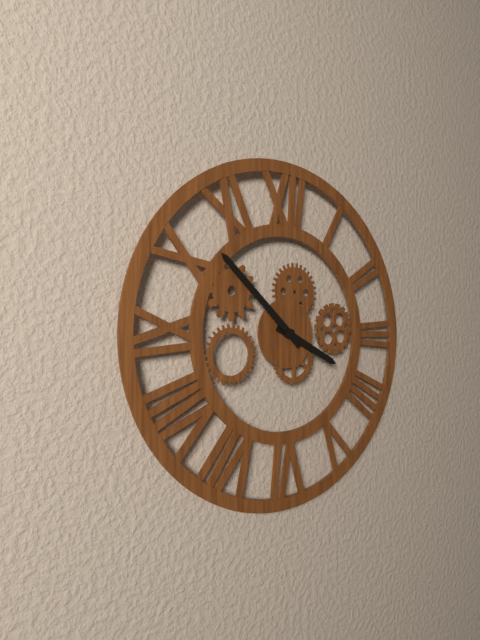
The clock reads {"hour": 3, "minute": 52}
